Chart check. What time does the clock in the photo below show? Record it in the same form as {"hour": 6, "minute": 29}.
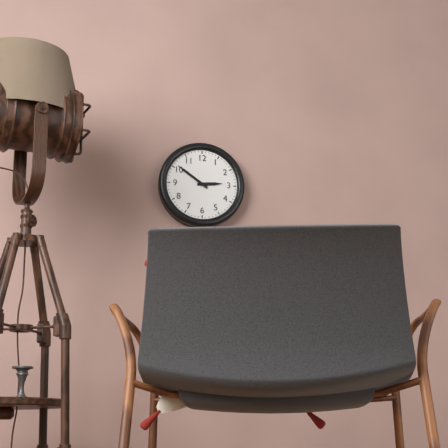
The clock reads {"hour": 2, "minute": 51}
